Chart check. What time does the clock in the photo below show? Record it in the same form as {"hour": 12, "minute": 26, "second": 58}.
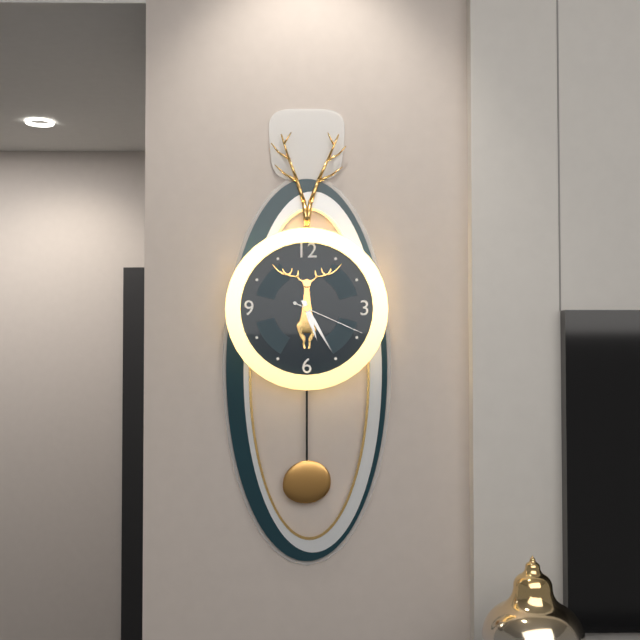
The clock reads {"hour": 5, "minute": 25, "second": 19}
